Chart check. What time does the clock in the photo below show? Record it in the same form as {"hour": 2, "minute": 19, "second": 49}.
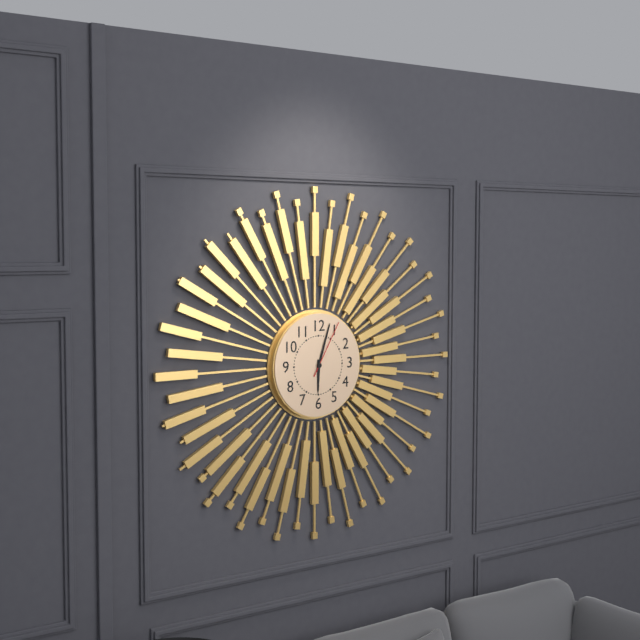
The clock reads {"hour": 6, "minute": 3, "second": 5}
